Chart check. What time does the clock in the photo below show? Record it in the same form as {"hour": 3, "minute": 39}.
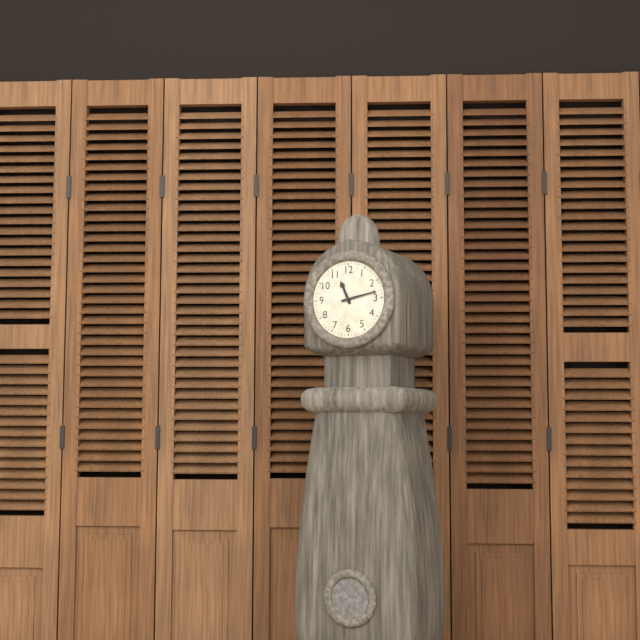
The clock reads {"hour": 11, "minute": 13}
